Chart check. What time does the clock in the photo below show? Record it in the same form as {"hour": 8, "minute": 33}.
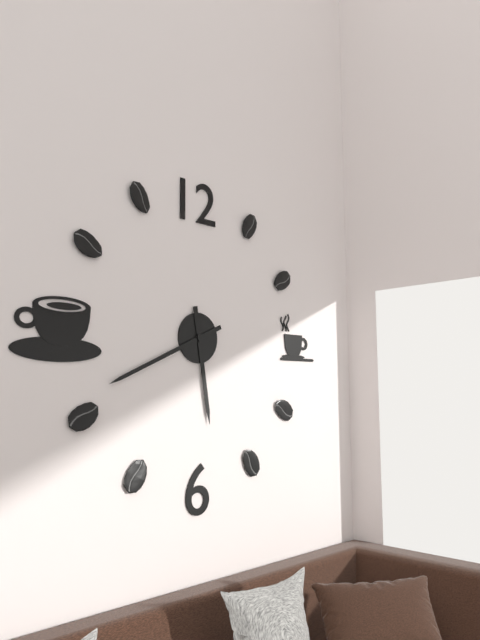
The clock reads {"hour": 5, "minute": 41}
